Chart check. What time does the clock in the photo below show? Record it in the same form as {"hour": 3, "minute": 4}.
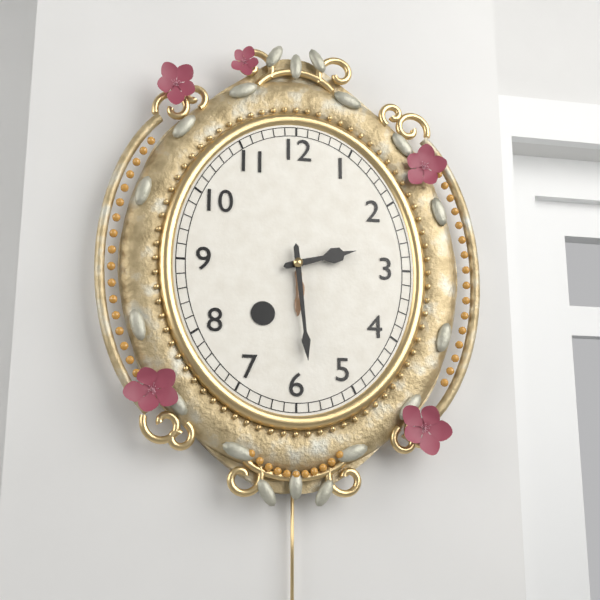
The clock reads {"hour": 2, "minute": 29}
